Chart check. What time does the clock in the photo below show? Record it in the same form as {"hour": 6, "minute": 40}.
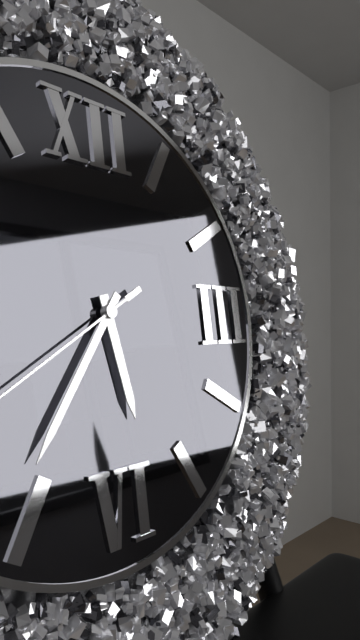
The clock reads {"hour": 5, "minute": 36}
